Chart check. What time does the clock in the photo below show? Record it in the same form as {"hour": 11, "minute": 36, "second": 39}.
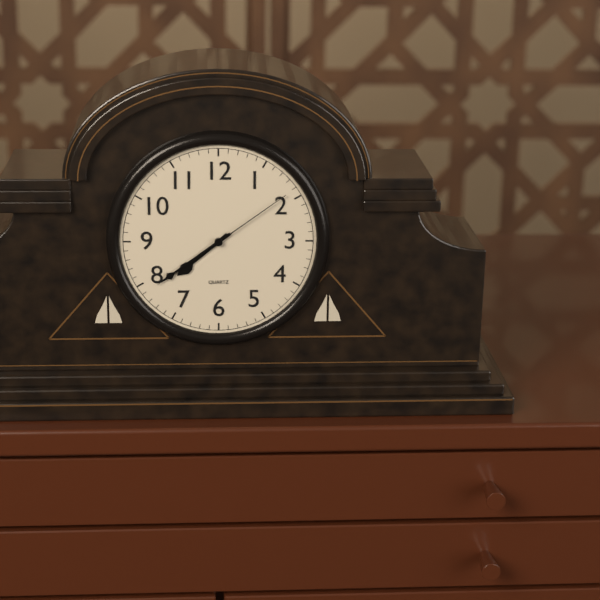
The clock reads {"hour": 7, "minute": 39, "second": 9}
